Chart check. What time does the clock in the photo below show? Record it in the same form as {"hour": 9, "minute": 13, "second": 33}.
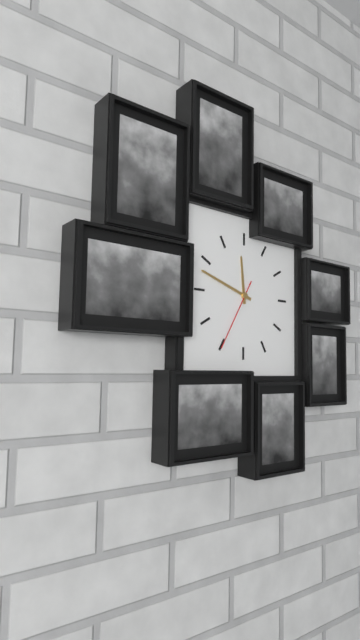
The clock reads {"hour": 11, "minute": 48, "second": 35}
